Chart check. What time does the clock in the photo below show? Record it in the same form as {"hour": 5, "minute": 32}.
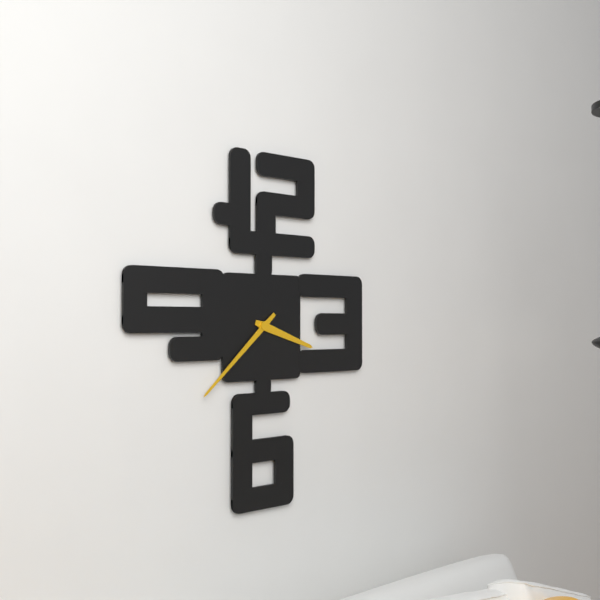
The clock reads {"hour": 3, "minute": 38}
